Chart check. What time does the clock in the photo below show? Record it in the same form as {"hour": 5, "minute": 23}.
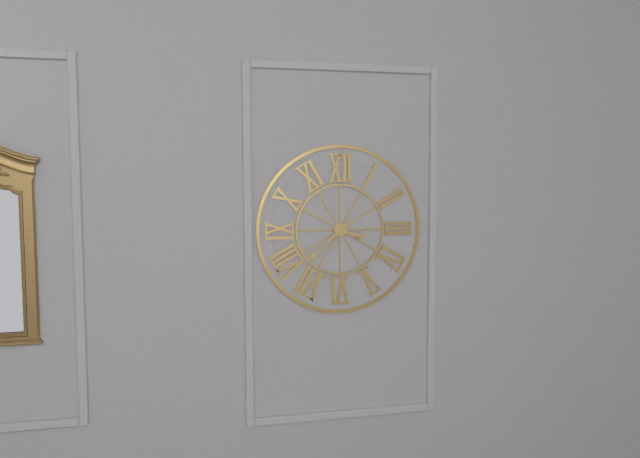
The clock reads {"hour": 3, "minute": 38}
